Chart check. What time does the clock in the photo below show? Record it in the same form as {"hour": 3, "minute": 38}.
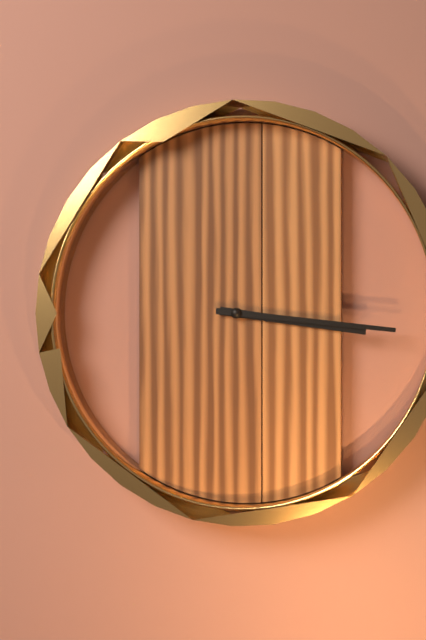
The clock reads {"hour": 3, "minute": 16}
